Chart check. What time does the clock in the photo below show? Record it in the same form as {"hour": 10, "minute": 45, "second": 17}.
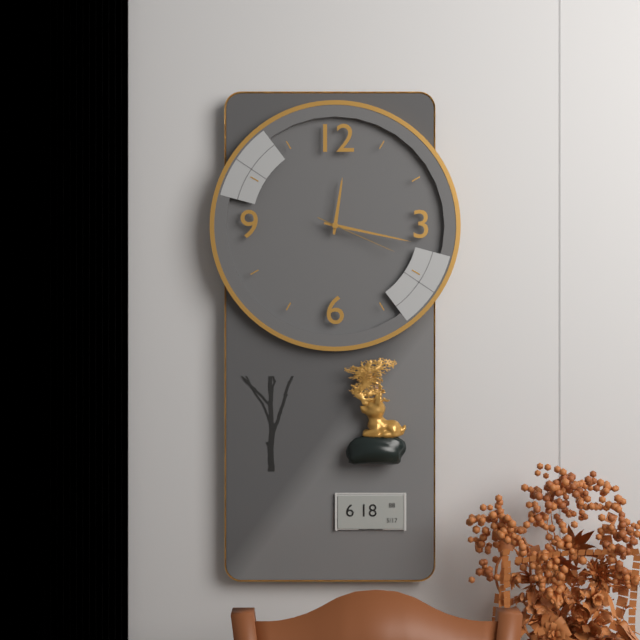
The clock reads {"hour": 12, "minute": 17, "second": 19}
